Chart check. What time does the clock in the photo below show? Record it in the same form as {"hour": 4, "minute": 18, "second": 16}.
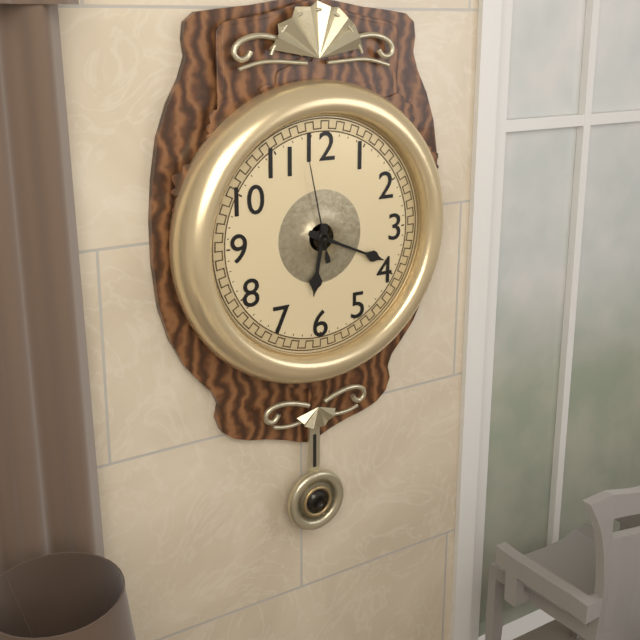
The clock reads {"hour": 6, "minute": 19, "second": 58}
